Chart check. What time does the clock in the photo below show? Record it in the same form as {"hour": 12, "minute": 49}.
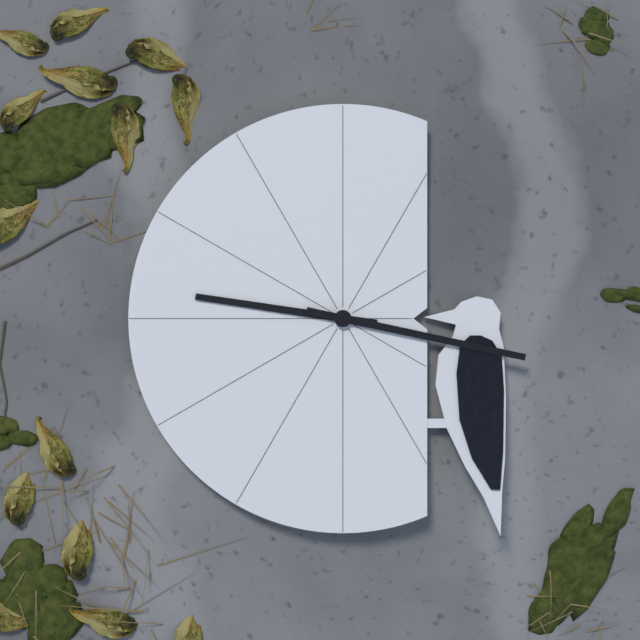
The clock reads {"hour": 9, "minute": 17}
